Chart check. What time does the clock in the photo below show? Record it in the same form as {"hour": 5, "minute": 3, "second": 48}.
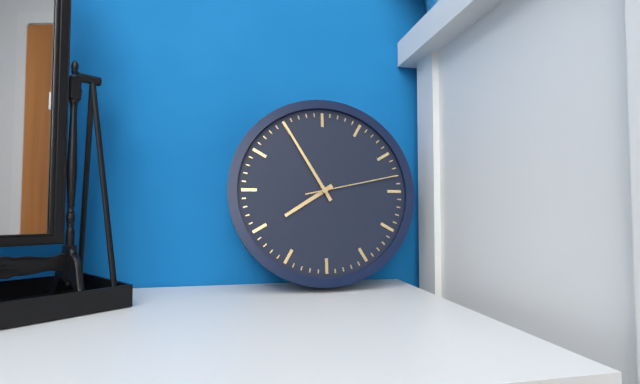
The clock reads {"hour": 7, "minute": 55, "second": 13}
